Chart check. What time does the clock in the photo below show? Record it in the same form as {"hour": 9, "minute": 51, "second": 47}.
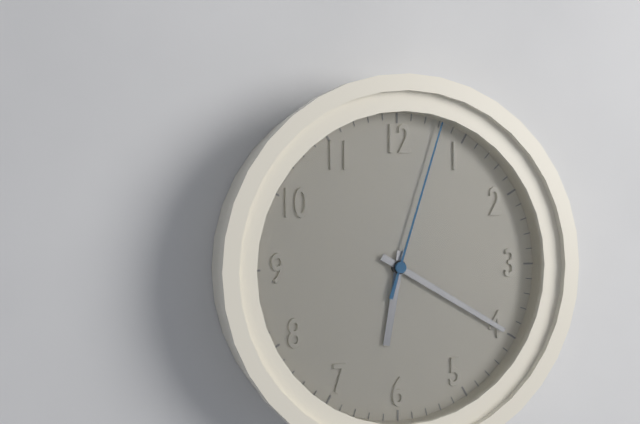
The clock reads {"hour": 6, "minute": 20, "second": 3}
